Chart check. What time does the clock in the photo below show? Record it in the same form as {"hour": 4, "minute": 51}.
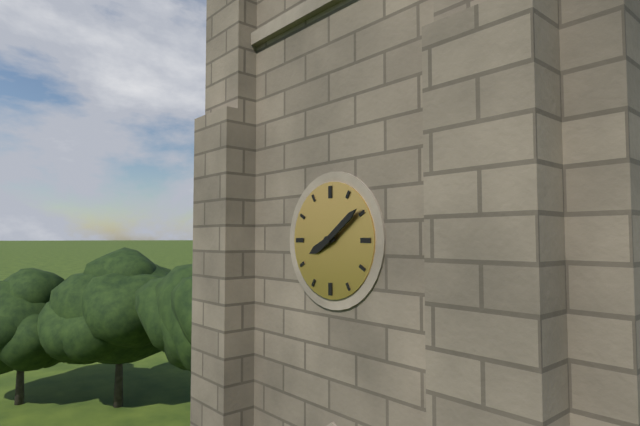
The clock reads {"hour": 8, "minute": 9}
